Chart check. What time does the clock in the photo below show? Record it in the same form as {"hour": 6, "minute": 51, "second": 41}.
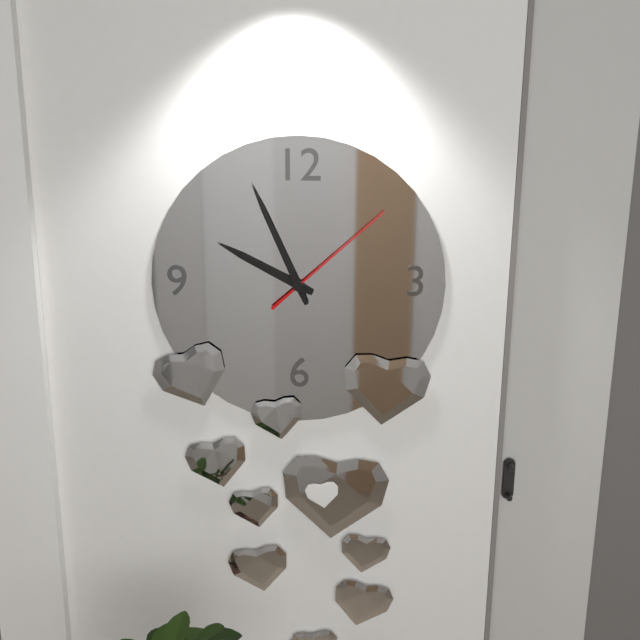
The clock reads {"hour": 9, "minute": 56, "second": 8}
